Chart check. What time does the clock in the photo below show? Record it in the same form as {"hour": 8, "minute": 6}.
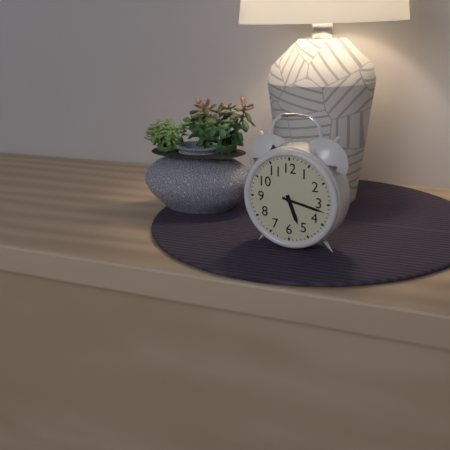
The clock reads {"hour": 5, "minute": 17}
